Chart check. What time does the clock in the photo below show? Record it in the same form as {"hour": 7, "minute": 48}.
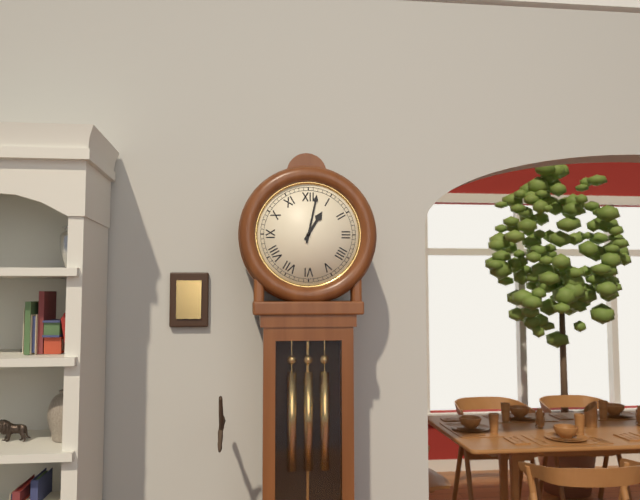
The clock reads {"hour": 1, "minute": 2}
